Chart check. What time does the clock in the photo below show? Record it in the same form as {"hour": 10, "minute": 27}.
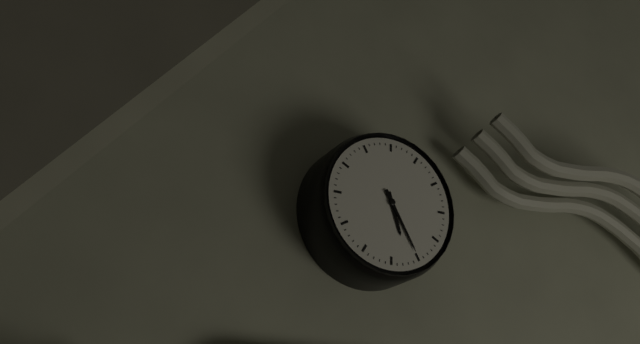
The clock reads {"hour": 5, "minute": 25}
